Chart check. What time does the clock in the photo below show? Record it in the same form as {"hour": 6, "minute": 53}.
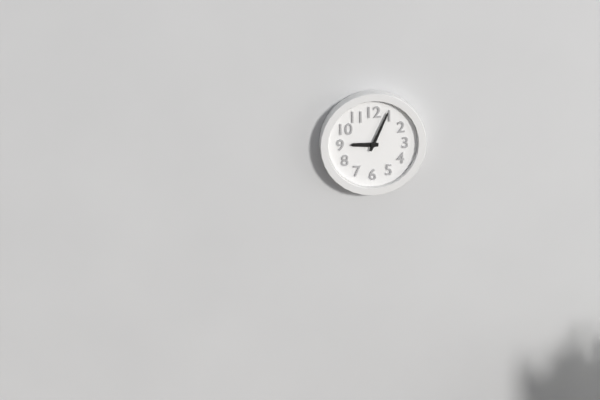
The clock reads {"hour": 9, "minute": 4}
